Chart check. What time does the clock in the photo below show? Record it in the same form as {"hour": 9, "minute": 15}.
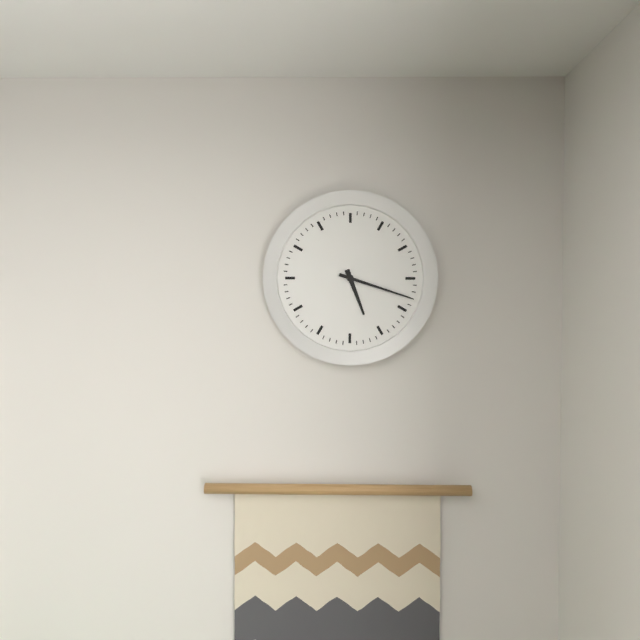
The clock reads {"hour": 5, "minute": 18}
